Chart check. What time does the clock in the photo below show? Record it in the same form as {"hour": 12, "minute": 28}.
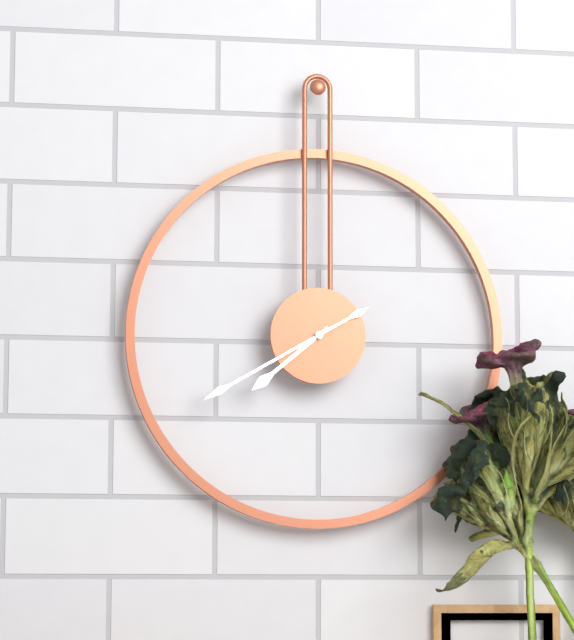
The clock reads {"hour": 7, "minute": 40}
